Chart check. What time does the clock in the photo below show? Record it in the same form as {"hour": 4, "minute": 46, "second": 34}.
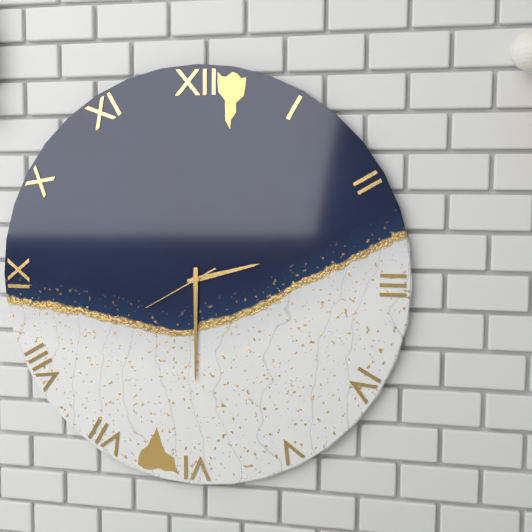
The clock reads {"hour": 2, "minute": 30, "second": 40}
